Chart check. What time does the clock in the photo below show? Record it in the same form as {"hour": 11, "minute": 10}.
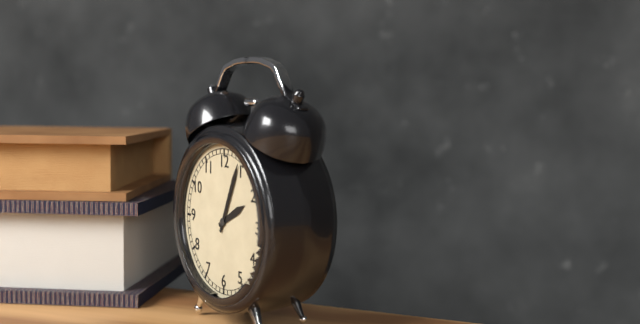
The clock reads {"hour": 2, "minute": 4}
